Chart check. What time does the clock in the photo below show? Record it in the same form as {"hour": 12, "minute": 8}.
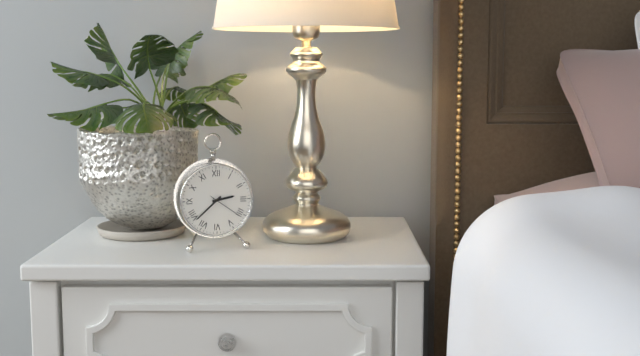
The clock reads {"hour": 2, "minute": 38}
